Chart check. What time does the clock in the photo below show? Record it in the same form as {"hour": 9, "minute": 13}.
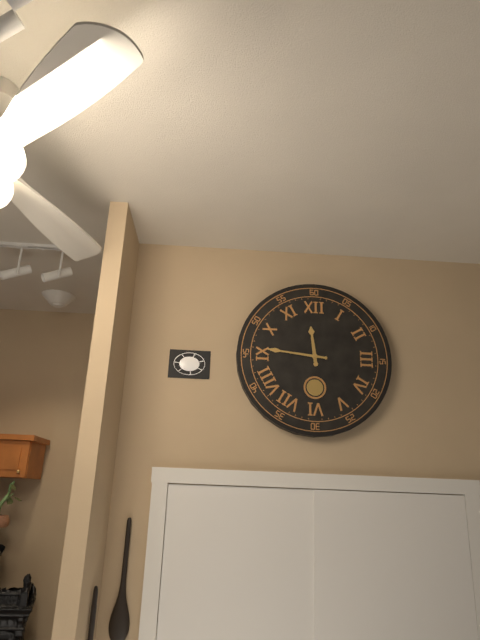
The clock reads {"hour": 11, "minute": 46}
